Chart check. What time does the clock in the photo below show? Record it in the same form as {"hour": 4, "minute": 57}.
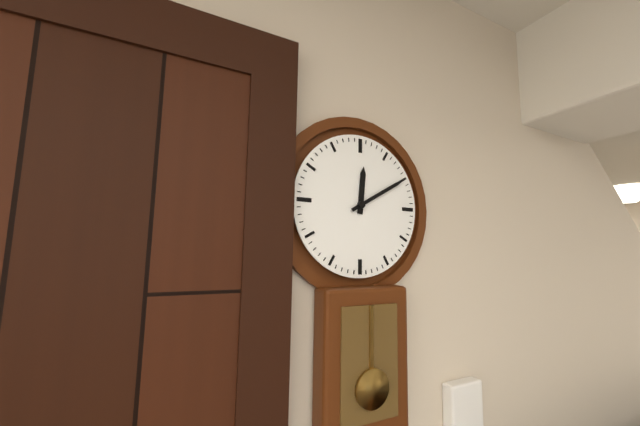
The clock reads {"hour": 12, "minute": 10}
